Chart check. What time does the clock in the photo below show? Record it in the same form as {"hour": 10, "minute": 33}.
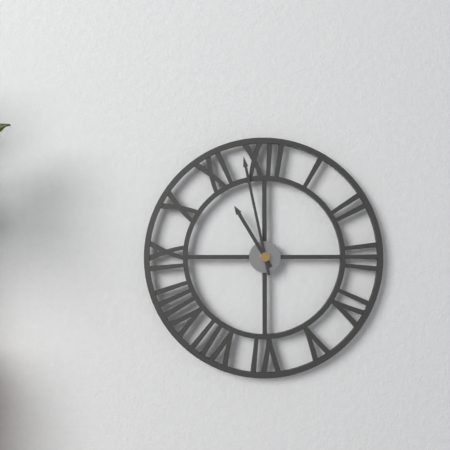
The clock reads {"hour": 10, "minute": 58}
